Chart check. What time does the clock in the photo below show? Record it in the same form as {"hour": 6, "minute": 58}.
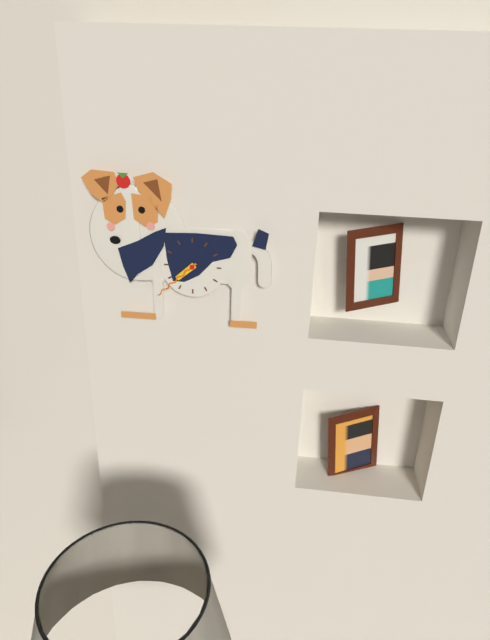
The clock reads {"hour": 7, "minute": 38}
